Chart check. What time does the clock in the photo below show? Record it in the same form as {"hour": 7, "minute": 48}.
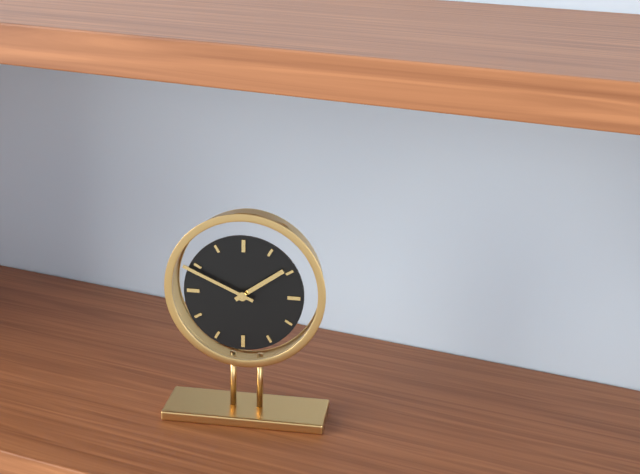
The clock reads {"hour": 1, "minute": 49}
